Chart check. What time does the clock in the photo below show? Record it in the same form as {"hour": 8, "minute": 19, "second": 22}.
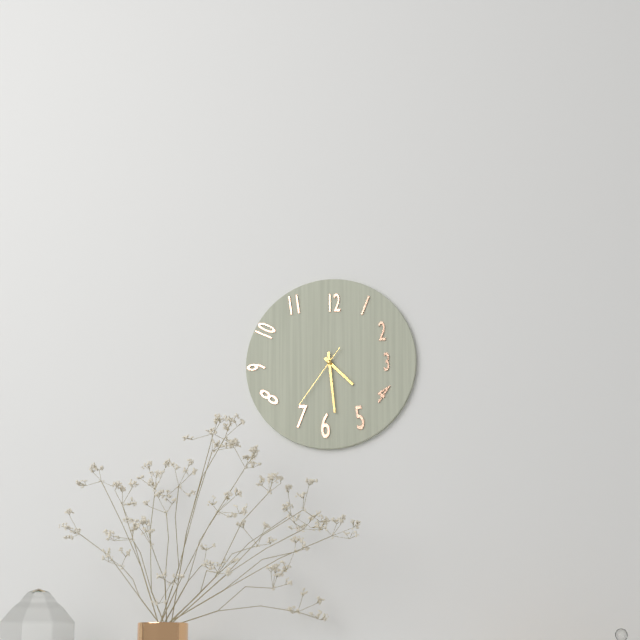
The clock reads {"hour": 4, "minute": 29, "second": 36}
